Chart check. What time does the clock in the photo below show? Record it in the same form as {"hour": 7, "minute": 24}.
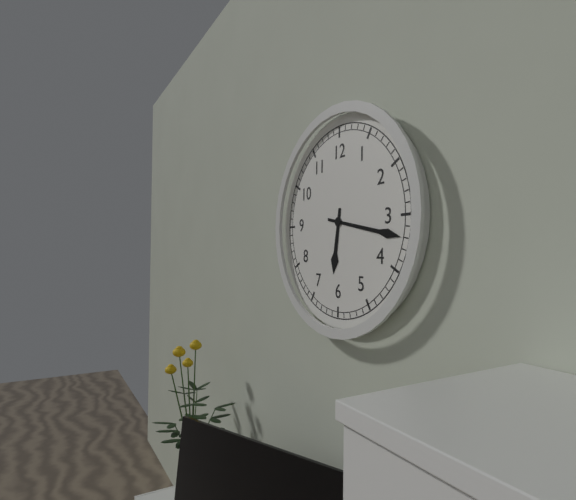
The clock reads {"hour": 6, "minute": 17}
